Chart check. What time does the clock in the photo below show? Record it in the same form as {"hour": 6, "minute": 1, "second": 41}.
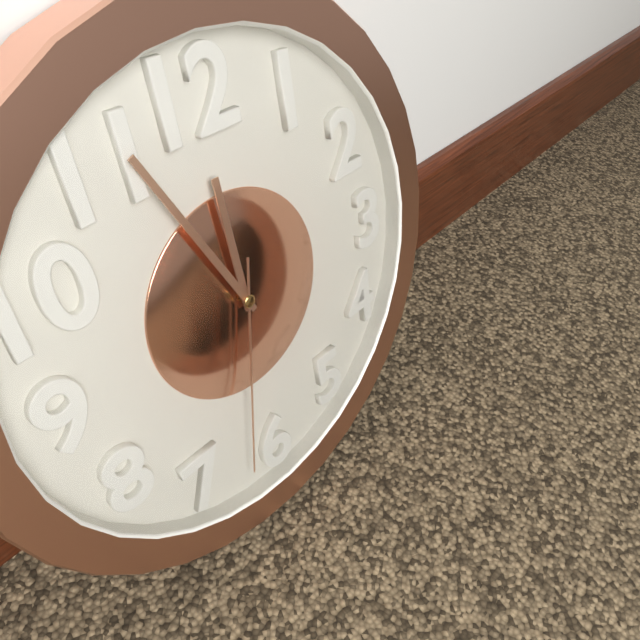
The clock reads {"hour": 11, "minute": 56, "second": 32}
